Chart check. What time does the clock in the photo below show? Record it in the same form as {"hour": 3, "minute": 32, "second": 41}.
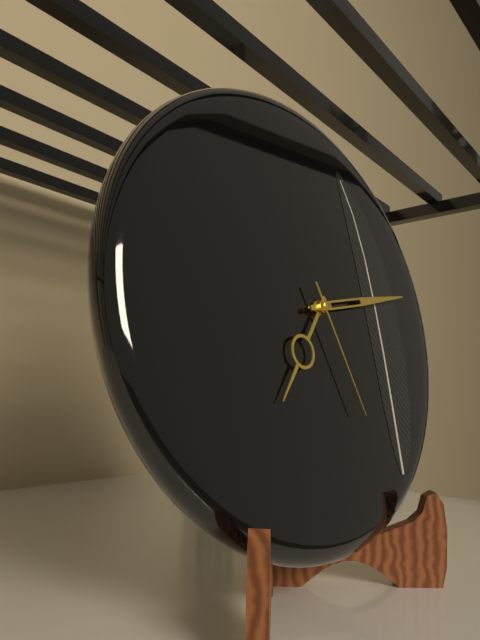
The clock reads {"hour": 7, "minute": 13, "second": 26}
